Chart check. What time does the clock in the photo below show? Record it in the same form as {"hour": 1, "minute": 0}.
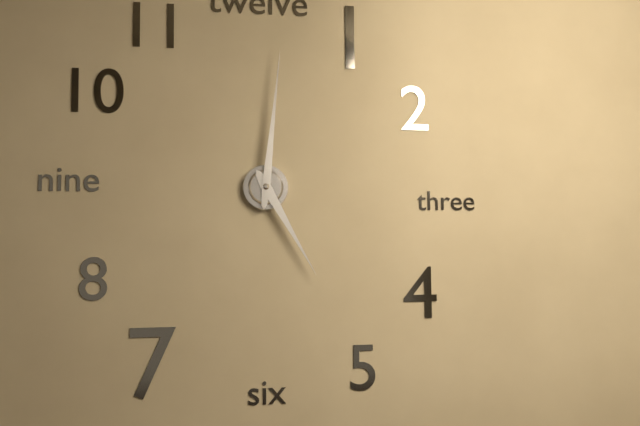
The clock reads {"hour": 5, "minute": 1}
